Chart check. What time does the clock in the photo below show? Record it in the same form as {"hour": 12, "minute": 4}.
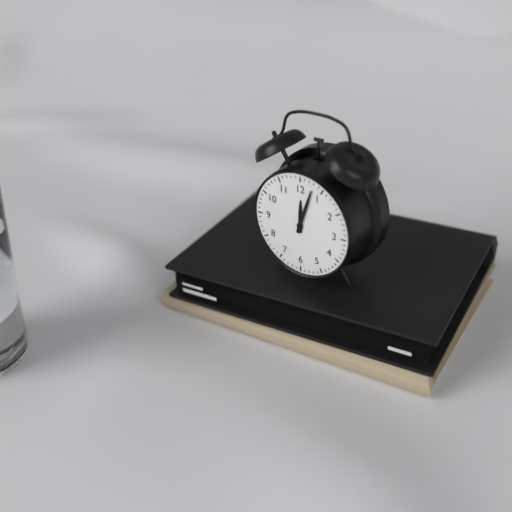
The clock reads {"hour": 12, "minute": 3}
